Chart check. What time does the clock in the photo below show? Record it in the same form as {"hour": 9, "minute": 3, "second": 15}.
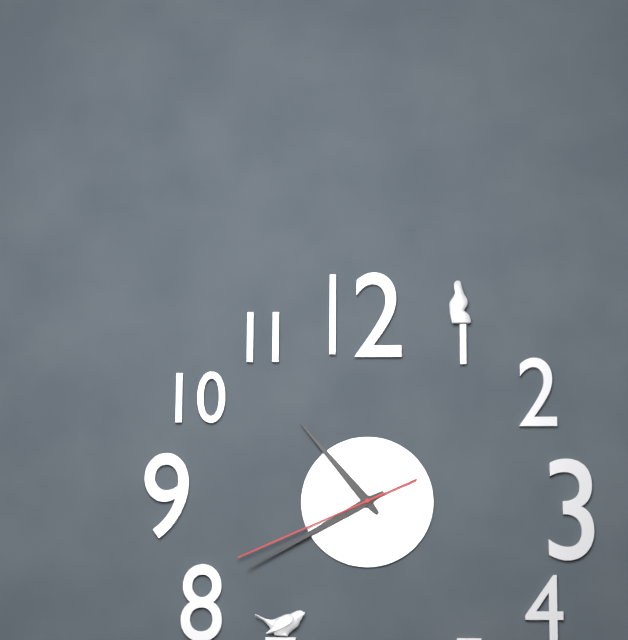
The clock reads {"hour": 10, "minute": 40, "second": 41}
